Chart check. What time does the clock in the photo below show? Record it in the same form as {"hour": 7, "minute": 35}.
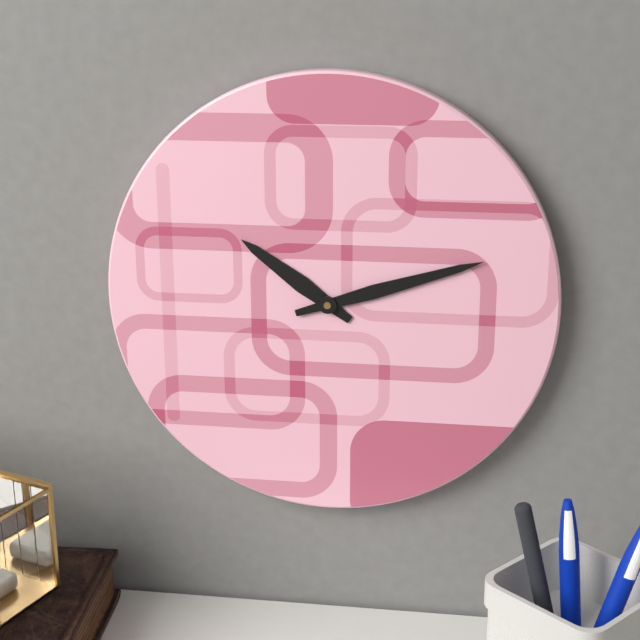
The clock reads {"hour": 10, "minute": 12}
